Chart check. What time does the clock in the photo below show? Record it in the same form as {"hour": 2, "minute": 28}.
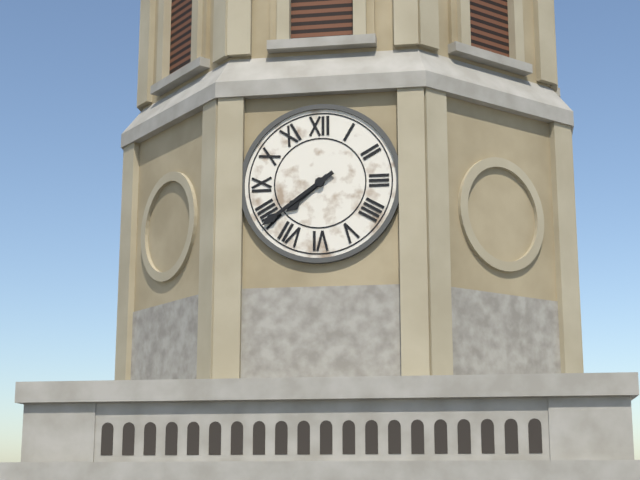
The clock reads {"hour": 7, "minute": 39}
